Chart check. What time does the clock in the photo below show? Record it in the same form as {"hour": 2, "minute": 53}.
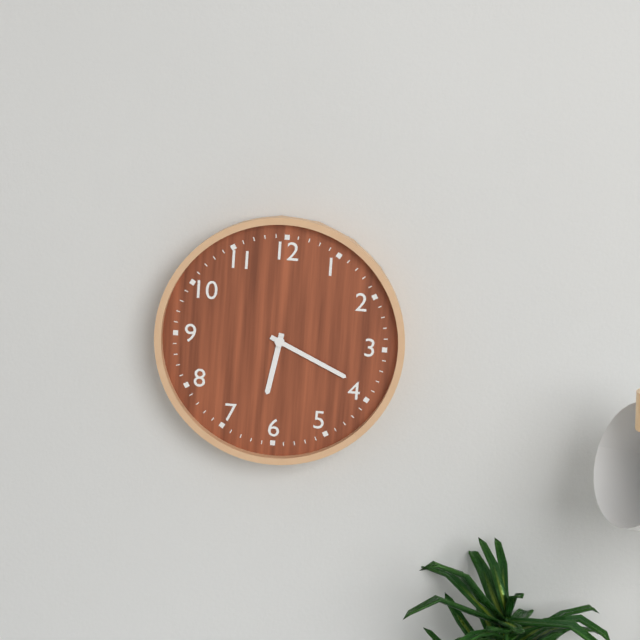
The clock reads {"hour": 6, "minute": 19}
